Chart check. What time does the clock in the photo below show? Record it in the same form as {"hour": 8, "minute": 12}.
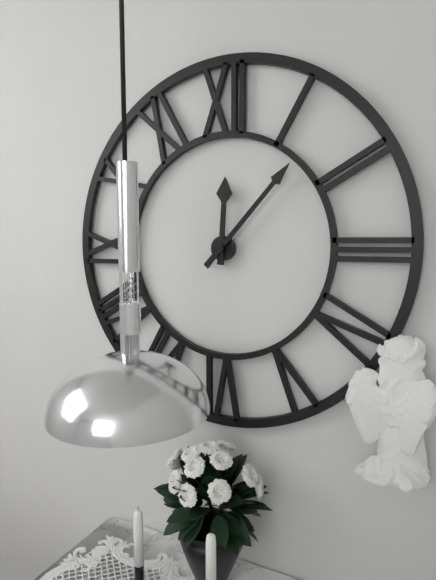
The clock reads {"hour": 12, "minute": 7}
